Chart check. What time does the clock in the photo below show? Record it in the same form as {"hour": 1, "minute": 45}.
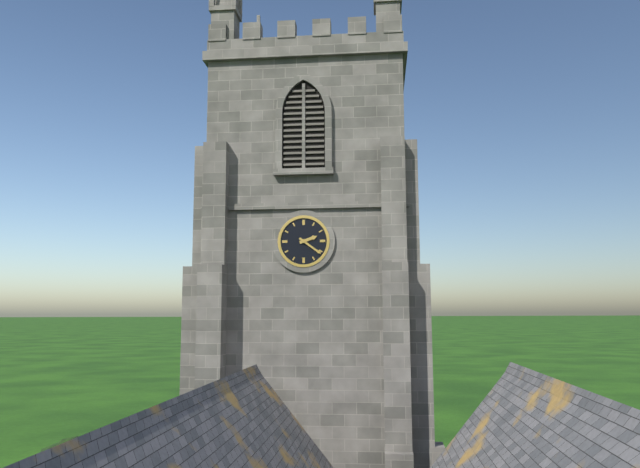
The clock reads {"hour": 2, "minute": 21}
